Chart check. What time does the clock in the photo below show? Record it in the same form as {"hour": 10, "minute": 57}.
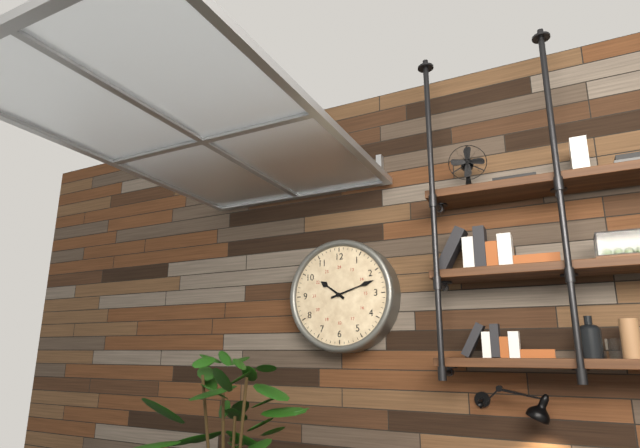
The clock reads {"hour": 10, "minute": 12}
